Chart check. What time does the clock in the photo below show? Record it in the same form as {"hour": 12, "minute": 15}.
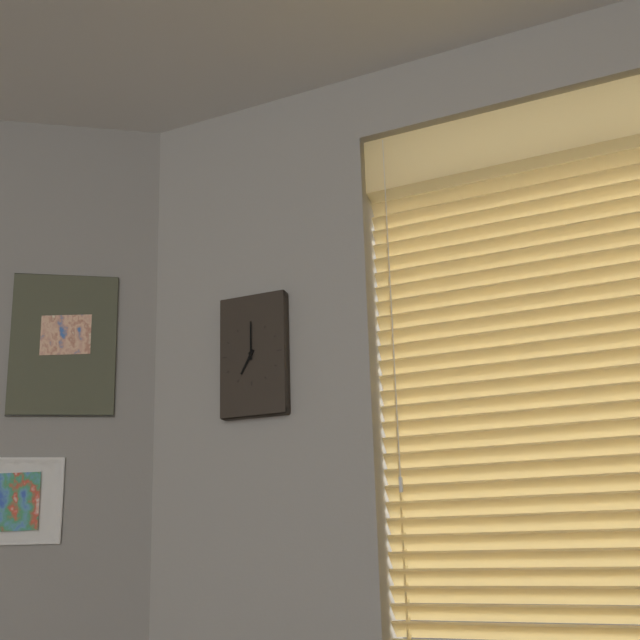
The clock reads {"hour": 7, "minute": 0}
